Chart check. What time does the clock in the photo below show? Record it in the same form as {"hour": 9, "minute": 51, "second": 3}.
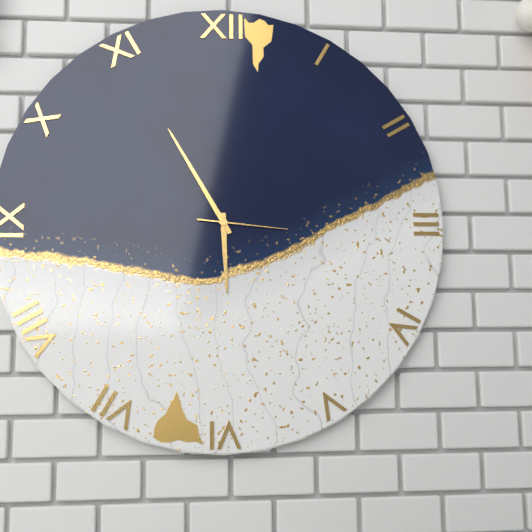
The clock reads {"hour": 5, "minute": 55, "second": 16}
